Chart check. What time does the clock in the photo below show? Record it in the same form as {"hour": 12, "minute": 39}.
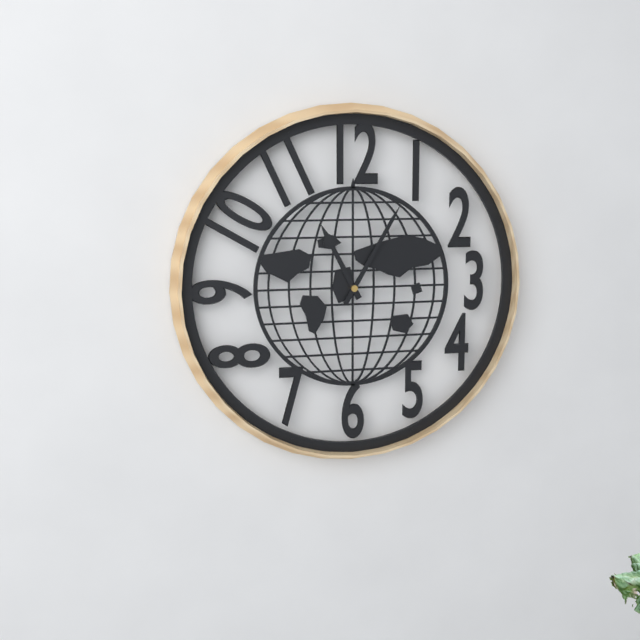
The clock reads {"hour": 11, "minute": 5}
